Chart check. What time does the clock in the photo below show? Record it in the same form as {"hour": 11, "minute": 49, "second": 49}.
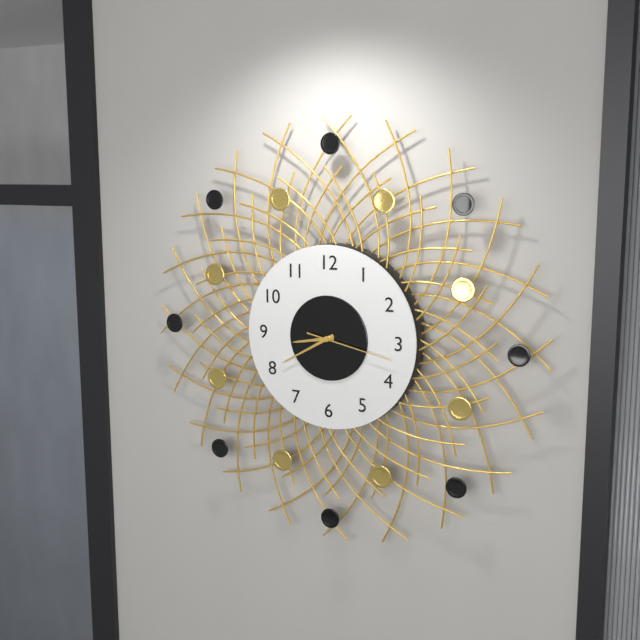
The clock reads {"hour": 8, "minute": 40, "second": 17}
